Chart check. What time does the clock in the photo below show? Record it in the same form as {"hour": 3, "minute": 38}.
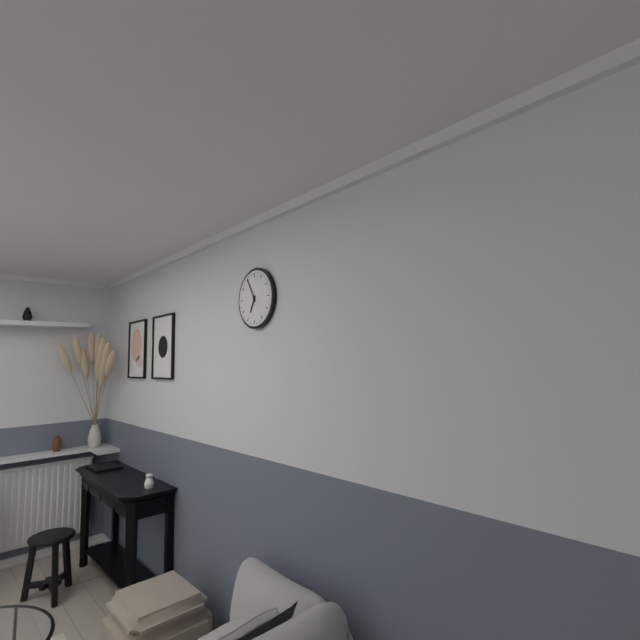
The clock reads {"hour": 6, "minute": 55}
